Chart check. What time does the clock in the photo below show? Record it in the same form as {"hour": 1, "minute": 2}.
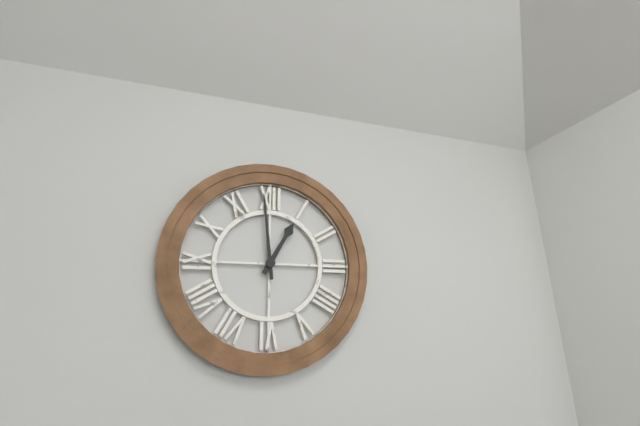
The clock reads {"hour": 12, "minute": 59}
